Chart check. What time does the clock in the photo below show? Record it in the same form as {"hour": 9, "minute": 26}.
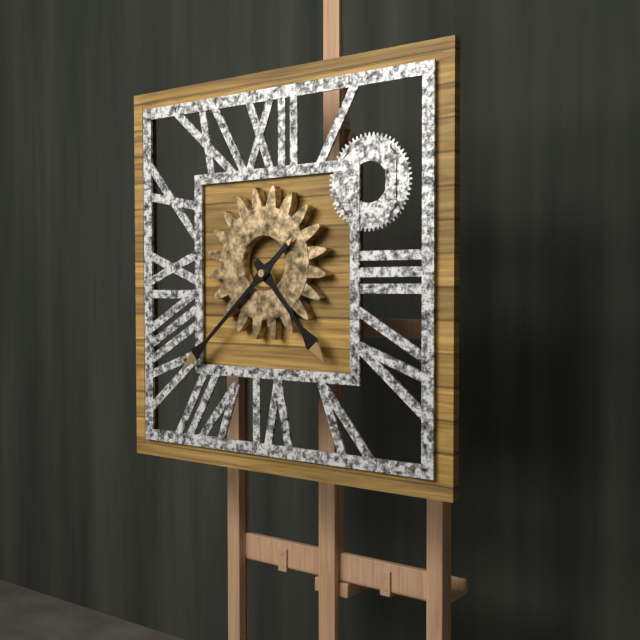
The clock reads {"hour": 4, "minute": 38}
